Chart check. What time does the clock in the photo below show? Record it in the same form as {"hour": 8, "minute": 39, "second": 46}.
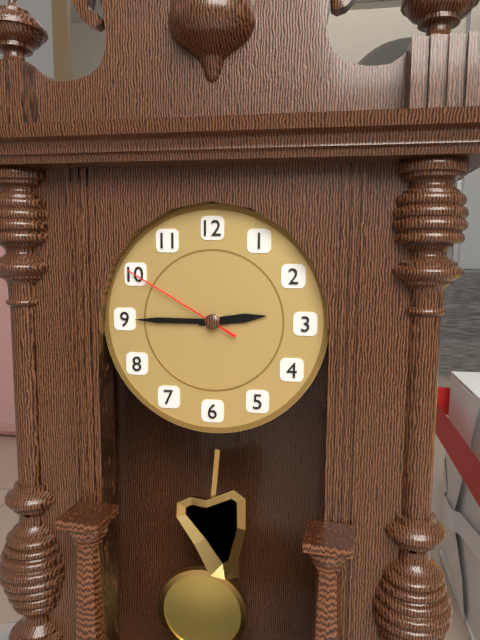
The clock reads {"hour": 2, "minute": 45, "second": 50}
